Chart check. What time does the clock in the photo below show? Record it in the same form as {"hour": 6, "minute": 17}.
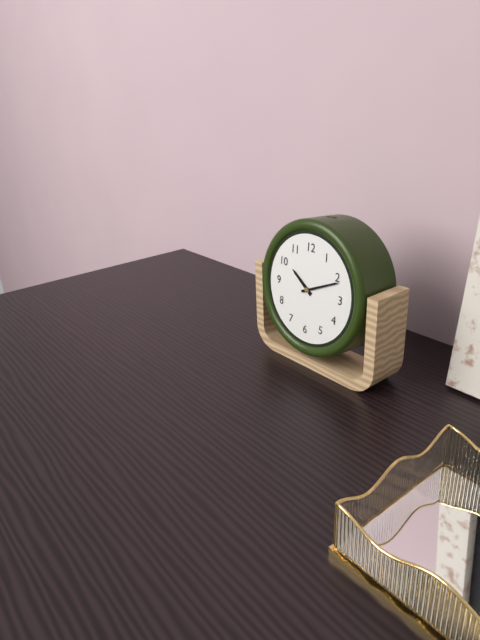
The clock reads {"hour": 10, "minute": 11}
